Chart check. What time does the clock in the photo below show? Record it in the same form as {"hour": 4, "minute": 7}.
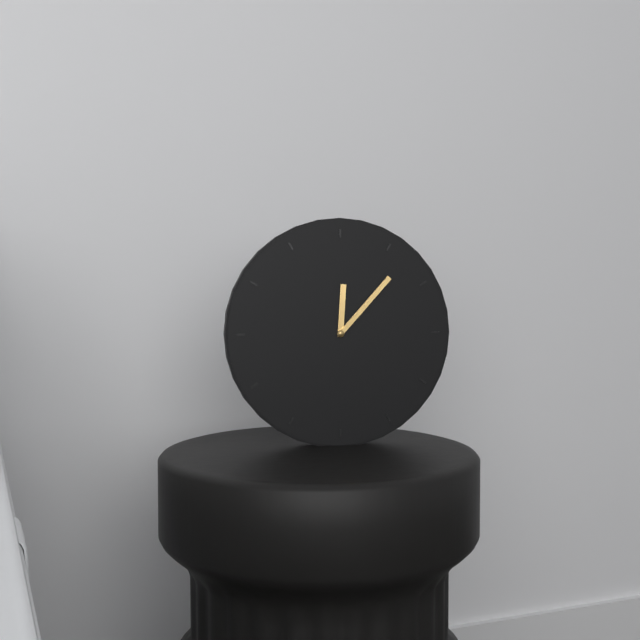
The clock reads {"hour": 12, "minute": 7}
